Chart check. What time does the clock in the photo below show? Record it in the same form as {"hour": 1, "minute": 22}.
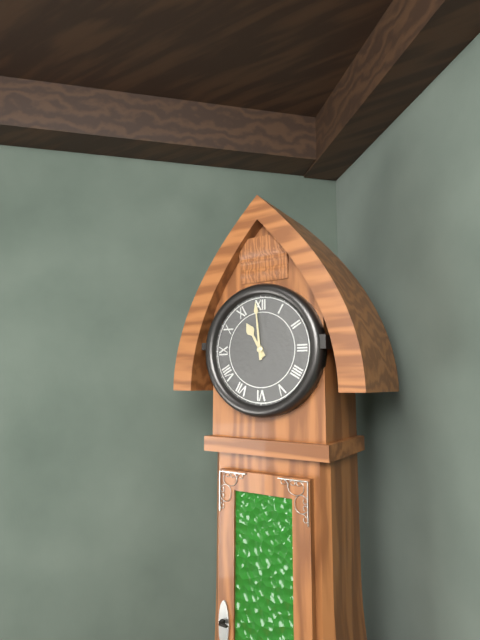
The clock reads {"hour": 10, "minute": 59}
